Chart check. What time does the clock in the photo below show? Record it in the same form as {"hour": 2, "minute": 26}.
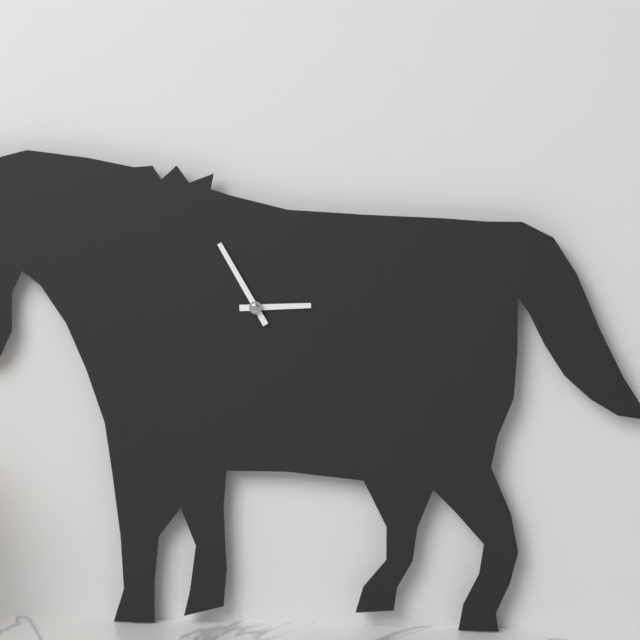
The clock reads {"hour": 2, "minute": 55}
